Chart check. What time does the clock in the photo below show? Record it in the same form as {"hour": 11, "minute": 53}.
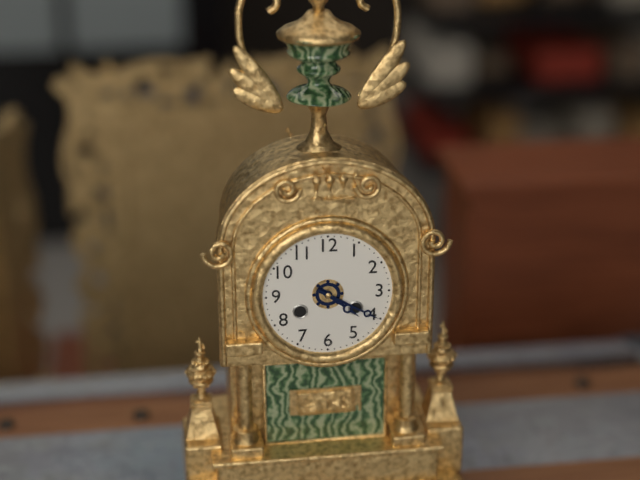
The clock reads {"hour": 4, "minute": 20}
